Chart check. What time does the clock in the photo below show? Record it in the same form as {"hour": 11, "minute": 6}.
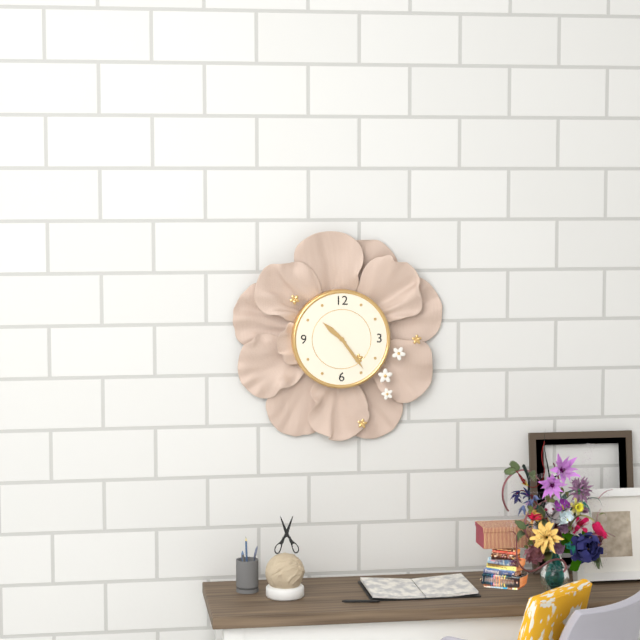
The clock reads {"hour": 10, "minute": 24}
